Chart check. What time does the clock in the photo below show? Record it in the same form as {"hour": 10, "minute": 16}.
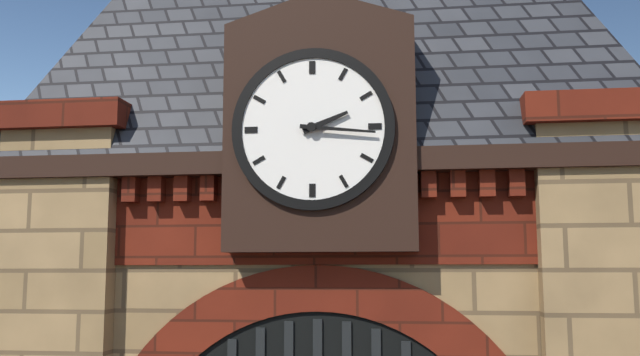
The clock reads {"hour": 2, "minute": 16}
